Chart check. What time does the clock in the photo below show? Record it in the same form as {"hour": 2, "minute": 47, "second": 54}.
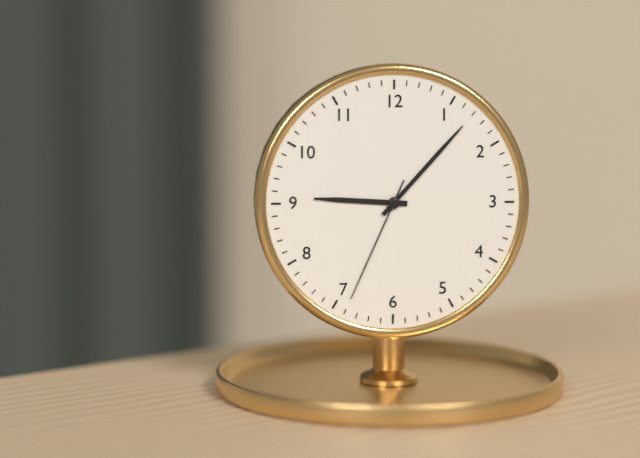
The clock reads {"hour": 9, "minute": 7, "second": 34}
